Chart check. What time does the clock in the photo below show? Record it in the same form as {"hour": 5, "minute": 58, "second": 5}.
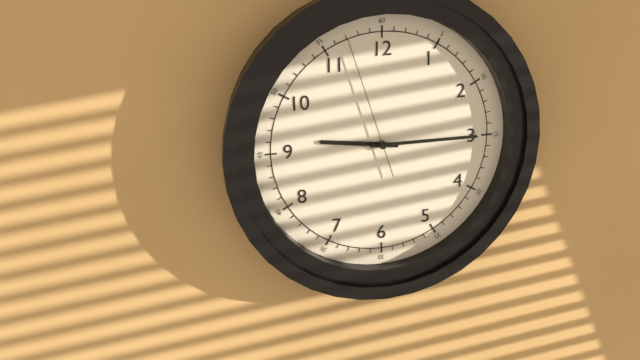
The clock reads {"hour": 9, "minute": 15, "second": 57}
